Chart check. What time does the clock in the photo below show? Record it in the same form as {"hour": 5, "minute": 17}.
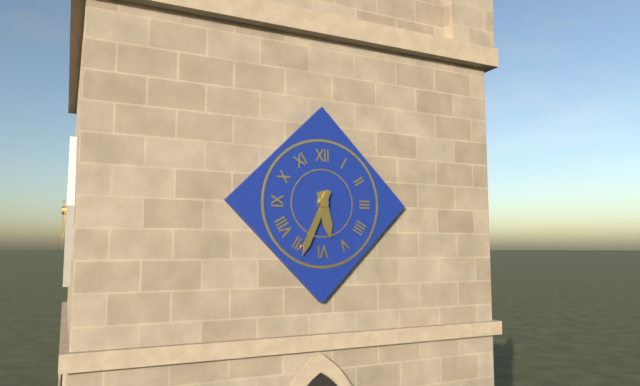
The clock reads {"hour": 5, "minute": 34}
